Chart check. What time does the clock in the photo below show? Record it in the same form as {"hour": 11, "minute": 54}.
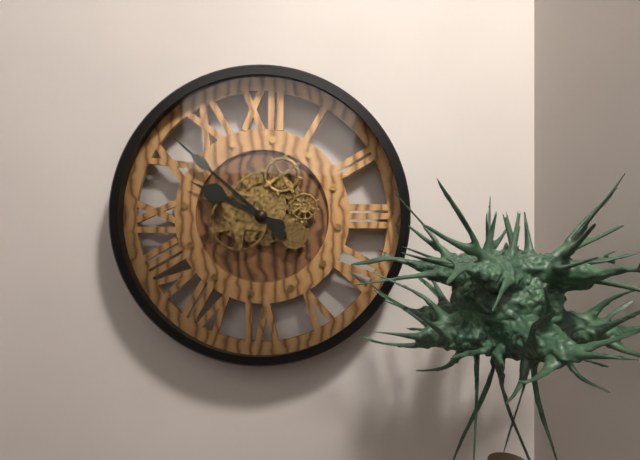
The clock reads {"hour": 9, "minute": 52}
